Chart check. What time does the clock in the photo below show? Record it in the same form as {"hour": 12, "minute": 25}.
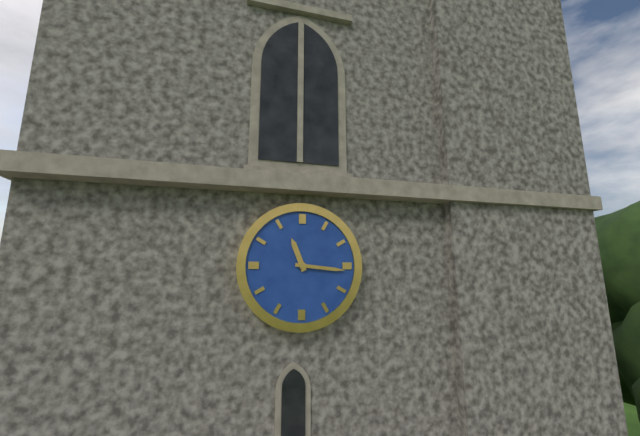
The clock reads {"hour": 11, "minute": 16}
